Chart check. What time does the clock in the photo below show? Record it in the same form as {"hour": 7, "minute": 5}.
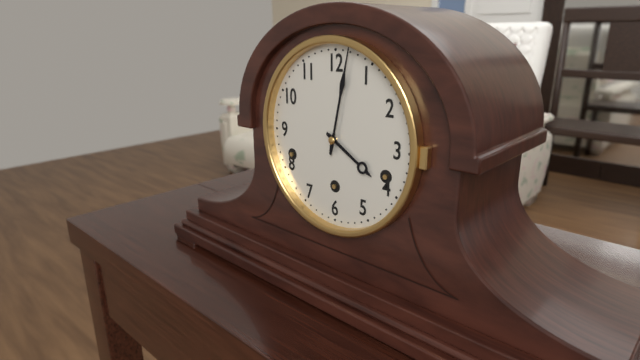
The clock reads {"hour": 4, "minute": 2}
